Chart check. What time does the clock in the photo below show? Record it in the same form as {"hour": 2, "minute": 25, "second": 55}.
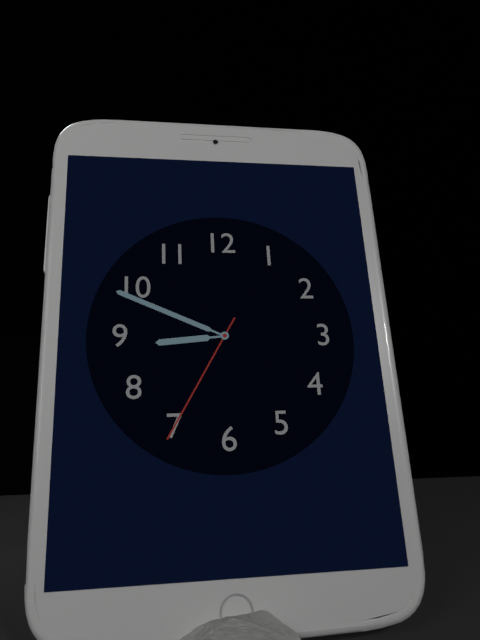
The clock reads {"hour": 8, "minute": 49, "second": 35}
